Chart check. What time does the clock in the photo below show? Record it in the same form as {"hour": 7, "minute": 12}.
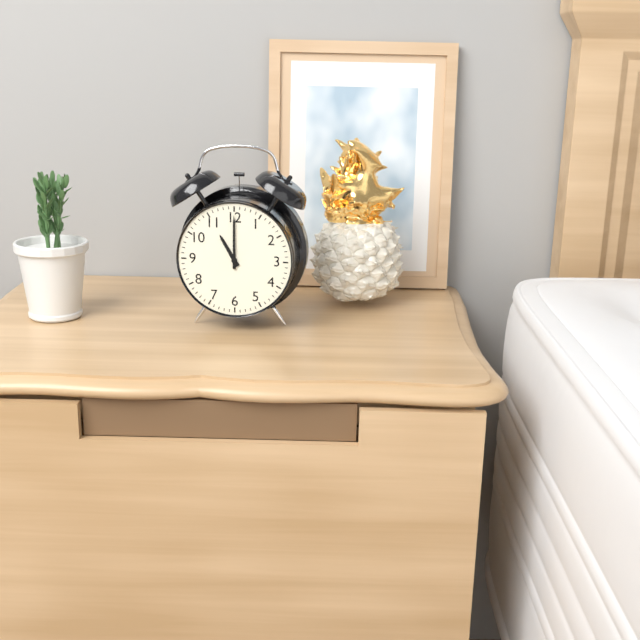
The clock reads {"hour": 11, "minute": 0}
